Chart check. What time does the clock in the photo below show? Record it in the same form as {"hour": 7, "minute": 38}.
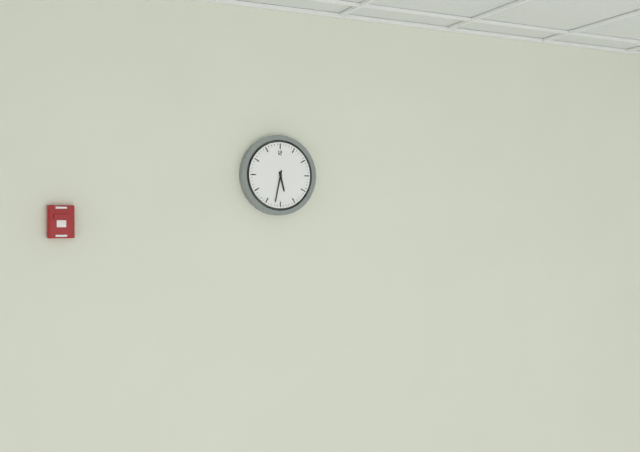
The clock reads {"hour": 5, "minute": 32}
